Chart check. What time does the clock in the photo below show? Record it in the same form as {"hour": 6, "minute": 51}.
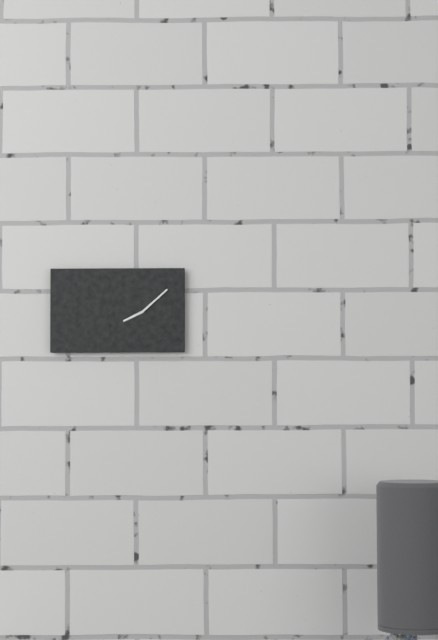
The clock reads {"hour": 8, "minute": 8}
